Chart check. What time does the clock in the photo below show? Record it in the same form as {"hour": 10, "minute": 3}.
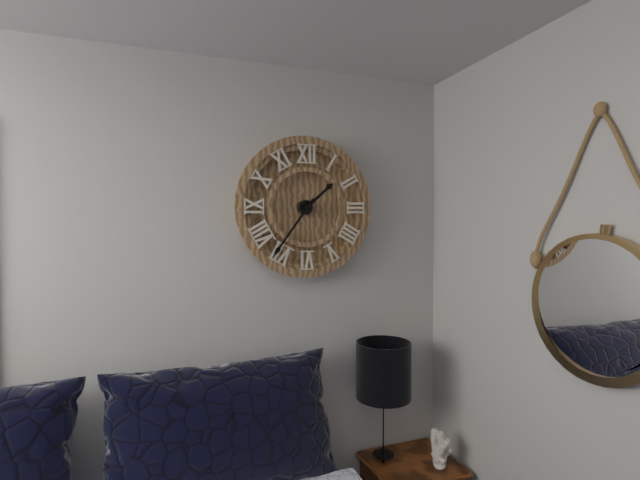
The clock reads {"hour": 1, "minute": 36}
